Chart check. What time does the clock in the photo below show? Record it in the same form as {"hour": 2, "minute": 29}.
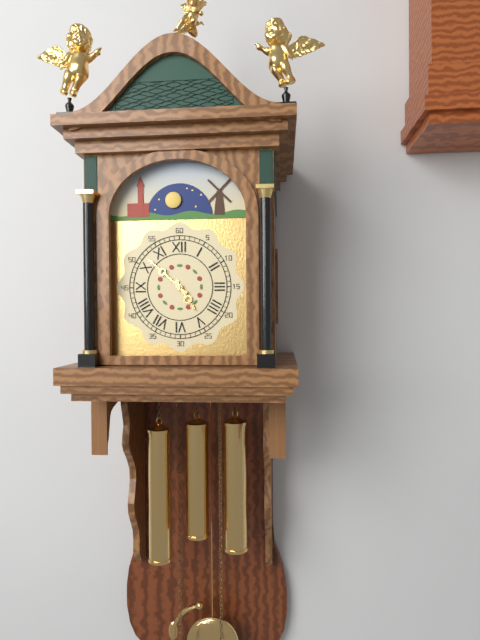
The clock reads {"hour": 4, "minute": 52}
